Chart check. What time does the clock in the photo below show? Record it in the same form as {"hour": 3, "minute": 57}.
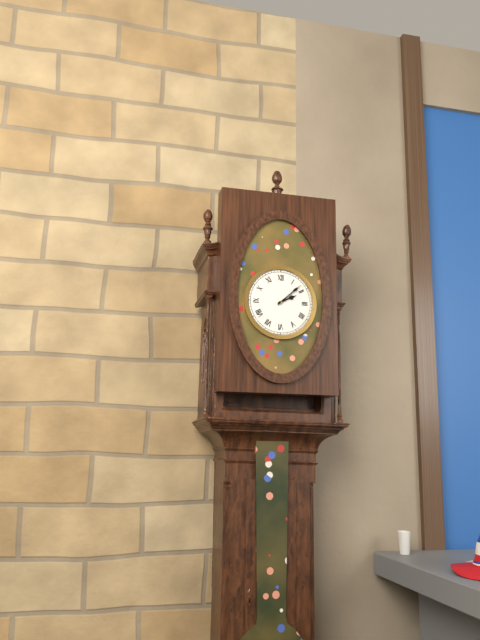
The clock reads {"hour": 2, "minute": 8}
